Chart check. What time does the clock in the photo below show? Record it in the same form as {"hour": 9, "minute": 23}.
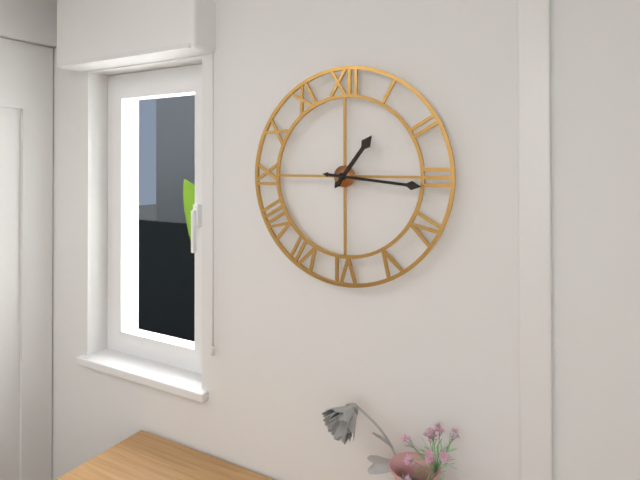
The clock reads {"hour": 1, "minute": 16}
